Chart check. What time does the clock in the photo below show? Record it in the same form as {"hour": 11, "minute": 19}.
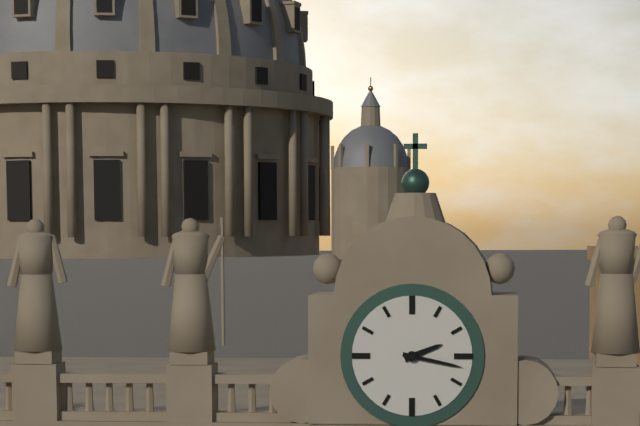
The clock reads {"hour": 2, "minute": 17}
